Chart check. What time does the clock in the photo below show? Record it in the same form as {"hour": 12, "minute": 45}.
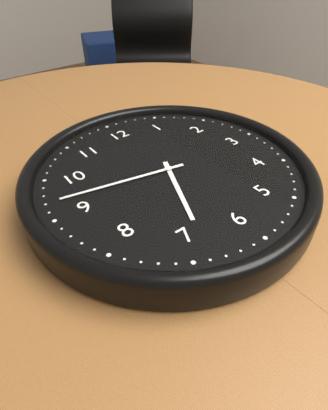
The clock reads {"hour": 6, "minute": 47}
